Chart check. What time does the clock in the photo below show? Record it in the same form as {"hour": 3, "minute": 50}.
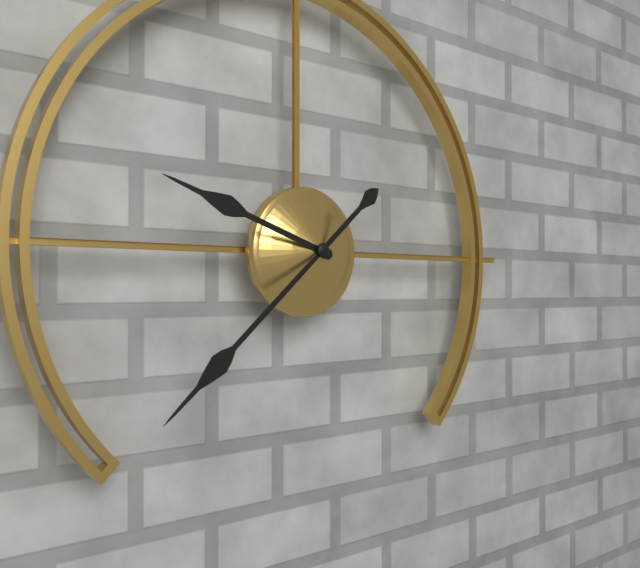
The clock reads {"hour": 9, "minute": 38}
